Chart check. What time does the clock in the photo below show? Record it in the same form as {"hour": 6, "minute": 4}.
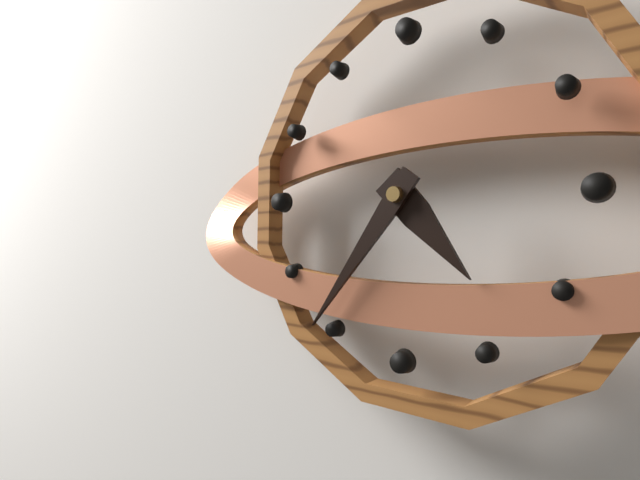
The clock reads {"hour": 4, "minute": 36}
